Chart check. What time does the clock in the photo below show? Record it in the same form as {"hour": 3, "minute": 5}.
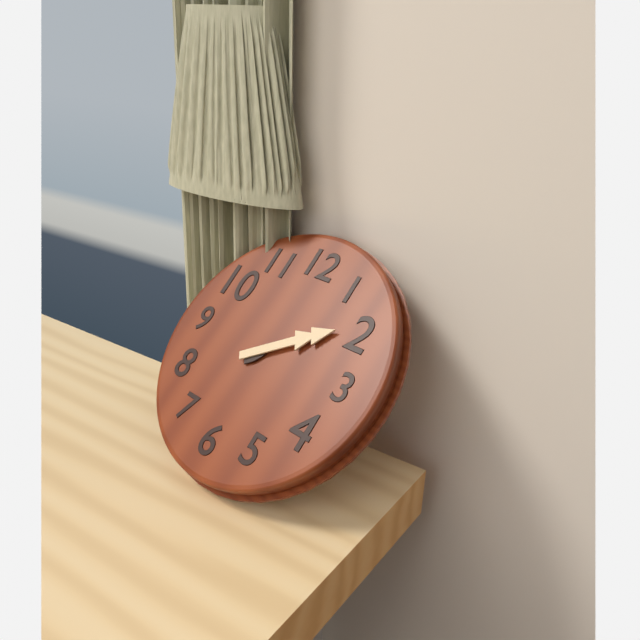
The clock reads {"hour": 7, "minute": 9}
